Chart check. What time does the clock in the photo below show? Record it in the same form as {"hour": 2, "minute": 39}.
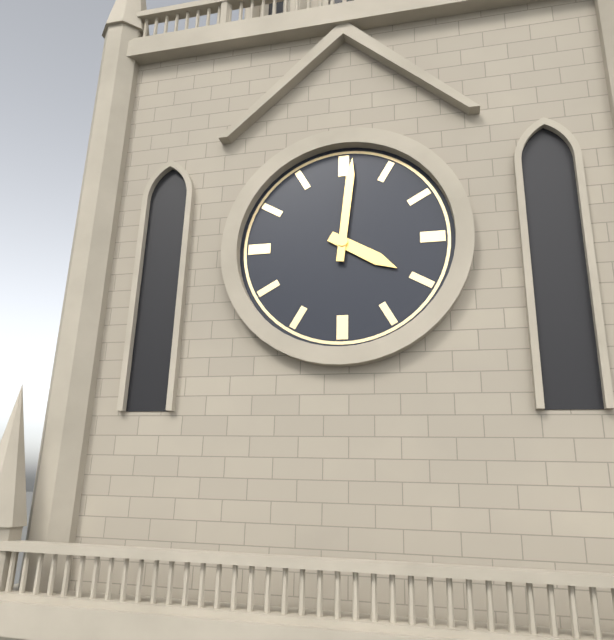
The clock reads {"hour": 4, "minute": 1}
